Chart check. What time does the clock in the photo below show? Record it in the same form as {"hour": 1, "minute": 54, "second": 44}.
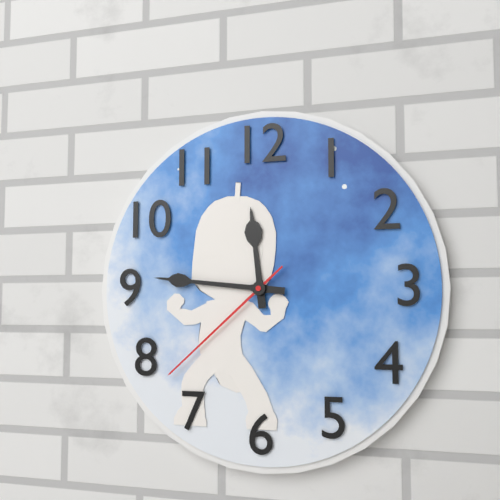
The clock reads {"hour": 11, "minute": 46, "second": 38}
